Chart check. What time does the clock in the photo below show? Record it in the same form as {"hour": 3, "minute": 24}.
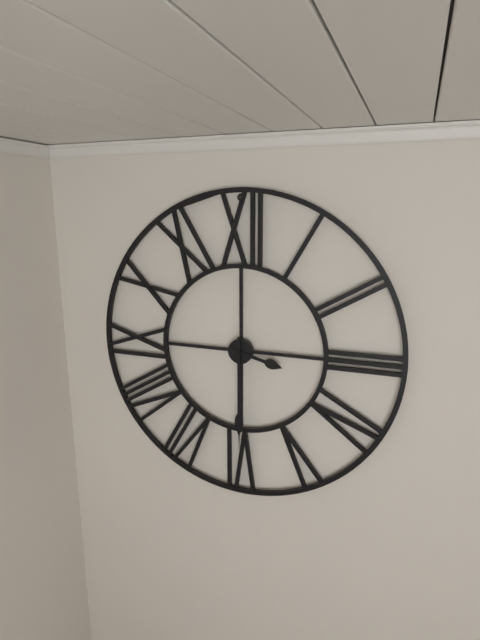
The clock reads {"hour": 3, "minute": 30}
